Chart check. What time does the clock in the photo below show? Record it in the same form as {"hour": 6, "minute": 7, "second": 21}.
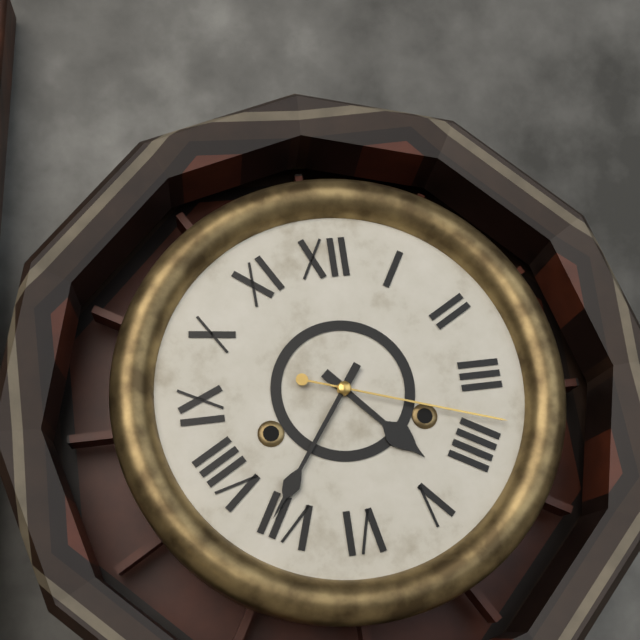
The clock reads {"hour": 4, "minute": 36, "second": 18}
